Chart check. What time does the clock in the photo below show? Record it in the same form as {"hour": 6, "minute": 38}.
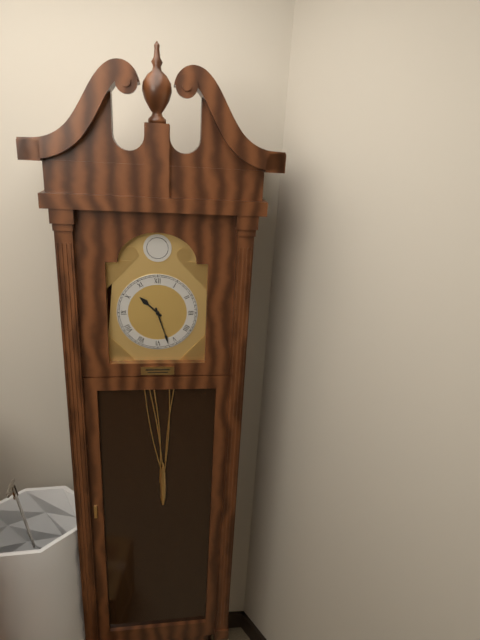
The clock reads {"hour": 10, "minute": 27}
